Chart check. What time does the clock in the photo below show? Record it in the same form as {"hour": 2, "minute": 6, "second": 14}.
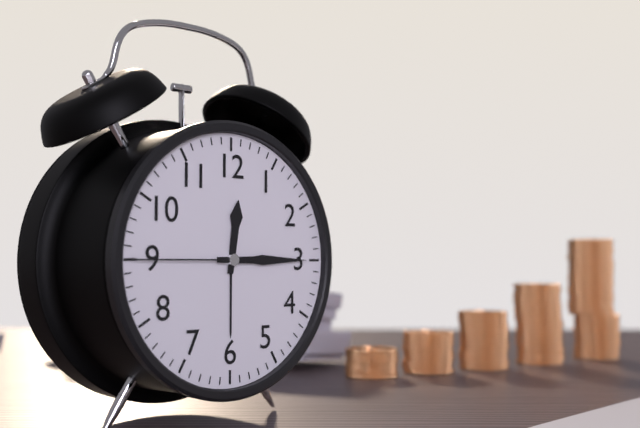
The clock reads {"hour": 12, "minute": 15, "second": 45}
